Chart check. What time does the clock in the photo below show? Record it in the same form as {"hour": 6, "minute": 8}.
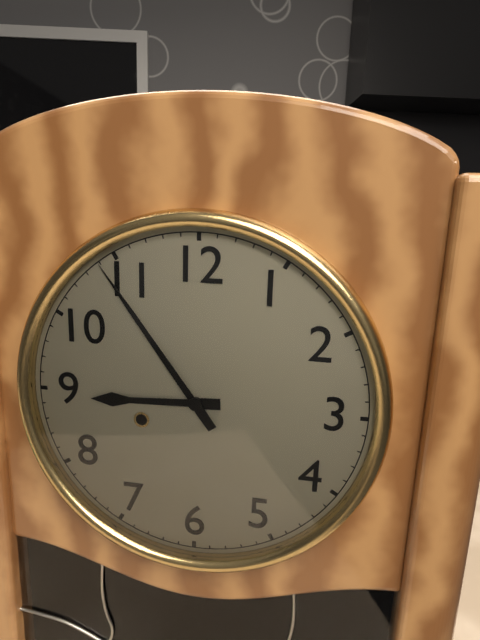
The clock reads {"hour": 8, "minute": 54}
